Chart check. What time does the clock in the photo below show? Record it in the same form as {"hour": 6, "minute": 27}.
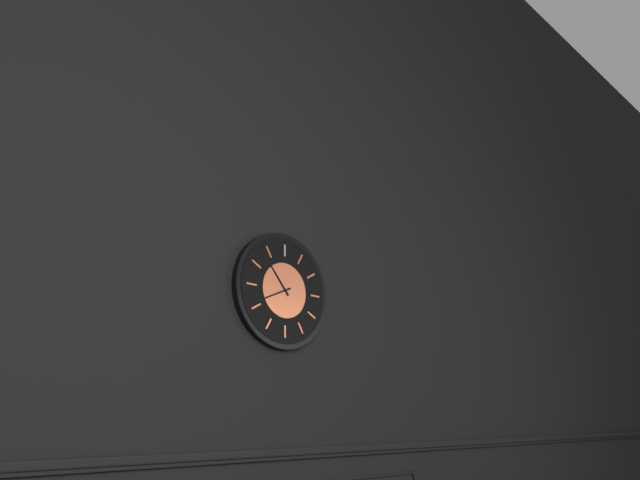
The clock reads {"hour": 10, "minute": 41}
